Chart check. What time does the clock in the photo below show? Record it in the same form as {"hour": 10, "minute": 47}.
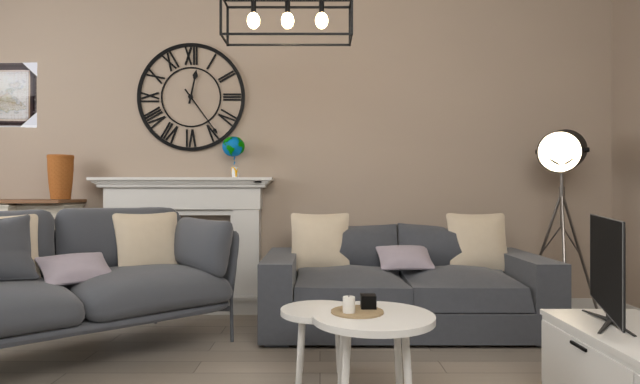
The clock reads {"hour": 12, "minute": 24}
